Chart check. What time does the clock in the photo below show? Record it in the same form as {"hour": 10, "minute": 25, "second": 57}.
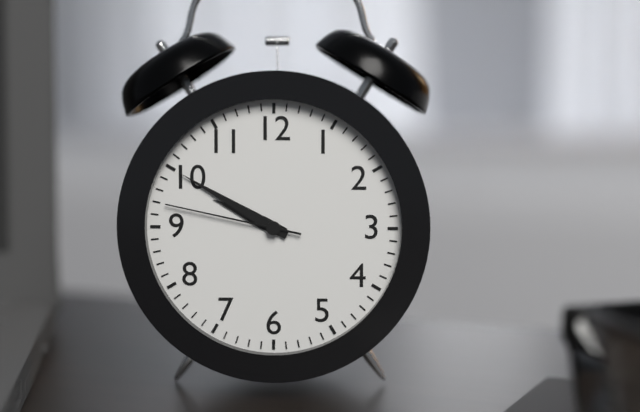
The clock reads {"hour": 9, "minute": 50, "second": 47}
